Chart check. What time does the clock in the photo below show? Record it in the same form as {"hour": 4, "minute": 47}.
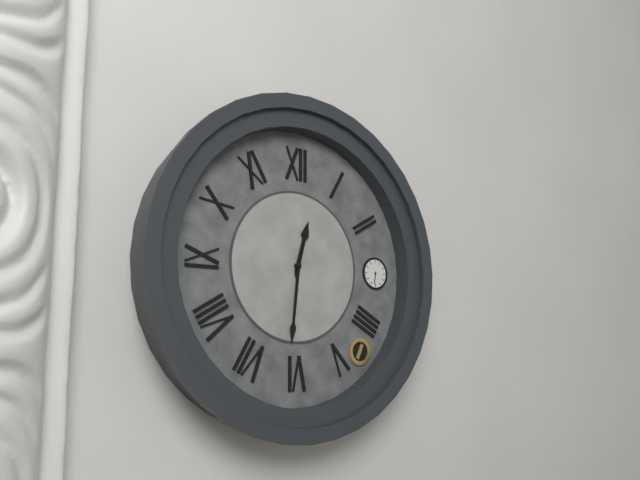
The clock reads {"hour": 12, "minute": 31}
